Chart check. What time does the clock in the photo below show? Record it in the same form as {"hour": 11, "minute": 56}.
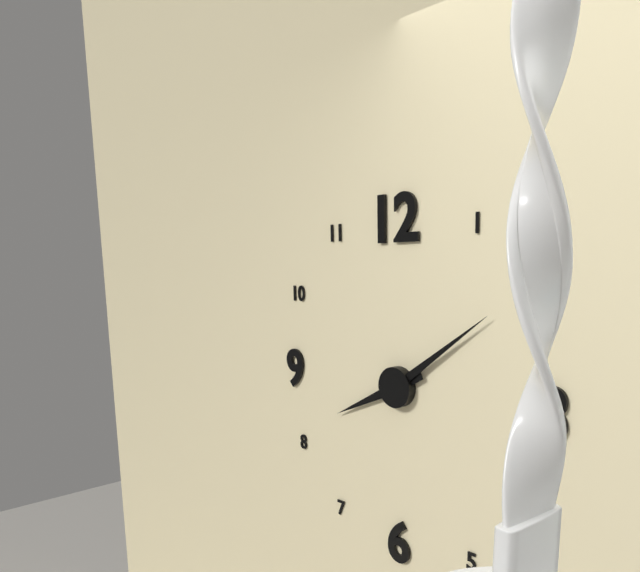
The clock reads {"hour": 8, "minute": 9}
